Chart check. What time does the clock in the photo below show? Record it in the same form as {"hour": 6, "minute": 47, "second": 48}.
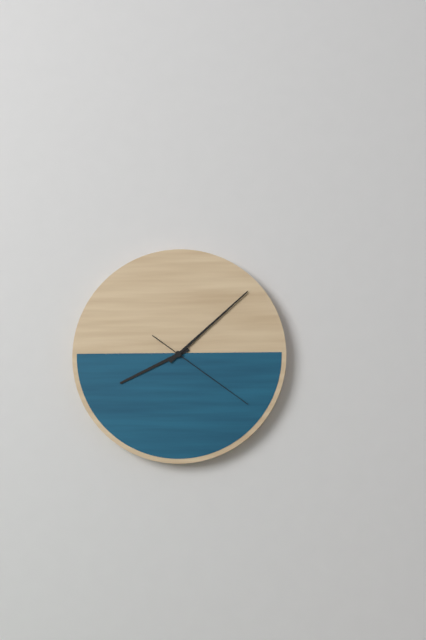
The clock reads {"hour": 8, "minute": 8, "second": 21}
